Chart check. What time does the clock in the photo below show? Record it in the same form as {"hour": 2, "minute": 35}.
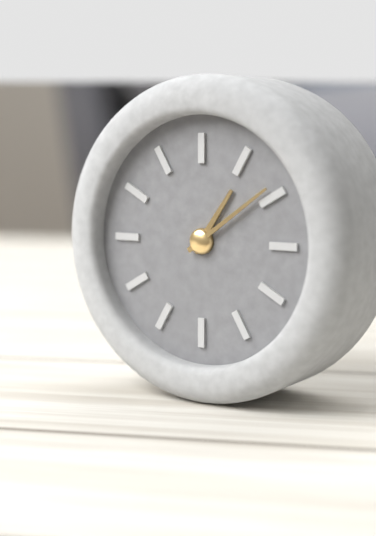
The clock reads {"hour": 1, "minute": 9}
